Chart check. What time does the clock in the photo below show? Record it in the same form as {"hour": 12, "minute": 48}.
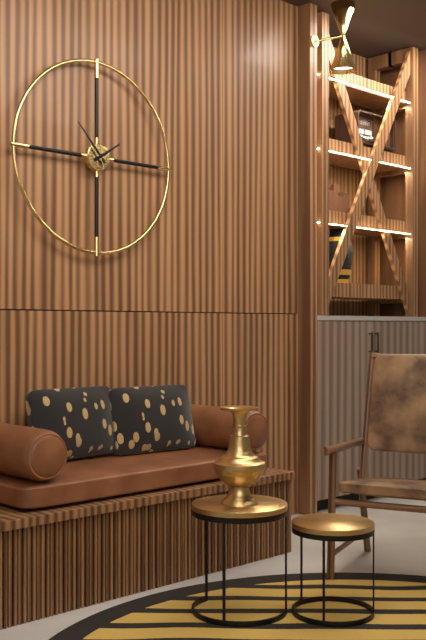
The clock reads {"hour": 1, "minute": 53}
